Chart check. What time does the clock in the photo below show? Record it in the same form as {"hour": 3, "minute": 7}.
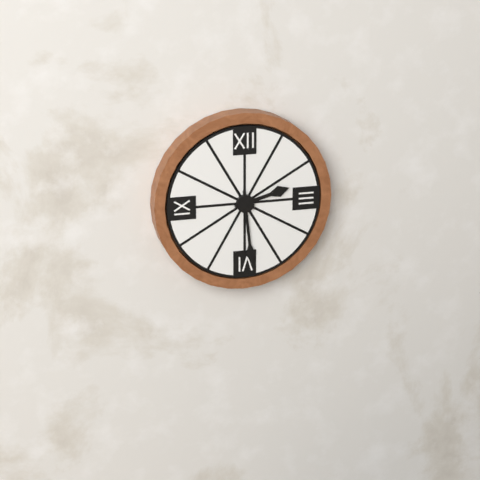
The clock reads {"hour": 2, "minute": 29}
